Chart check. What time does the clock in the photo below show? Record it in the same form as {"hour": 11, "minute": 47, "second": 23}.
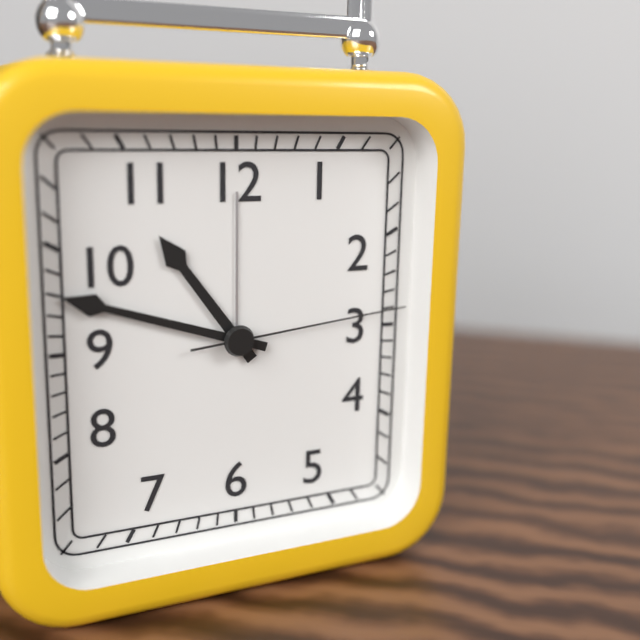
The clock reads {"hour": 10, "minute": 48, "second": 14}
